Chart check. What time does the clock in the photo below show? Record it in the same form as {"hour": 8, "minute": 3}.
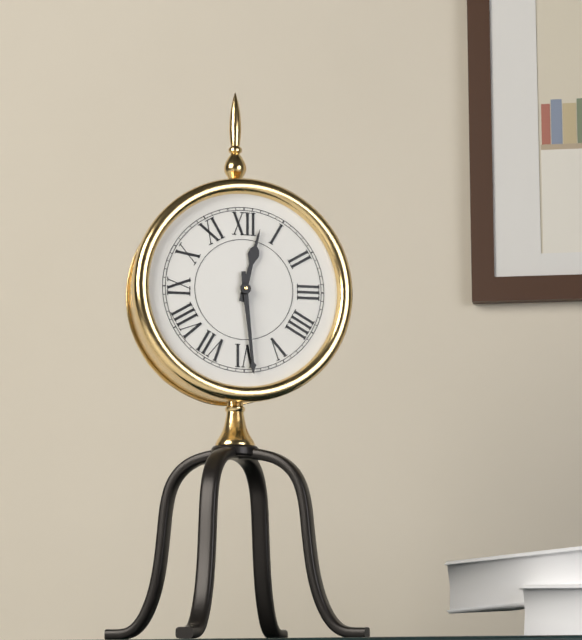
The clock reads {"hour": 12, "minute": 29}
